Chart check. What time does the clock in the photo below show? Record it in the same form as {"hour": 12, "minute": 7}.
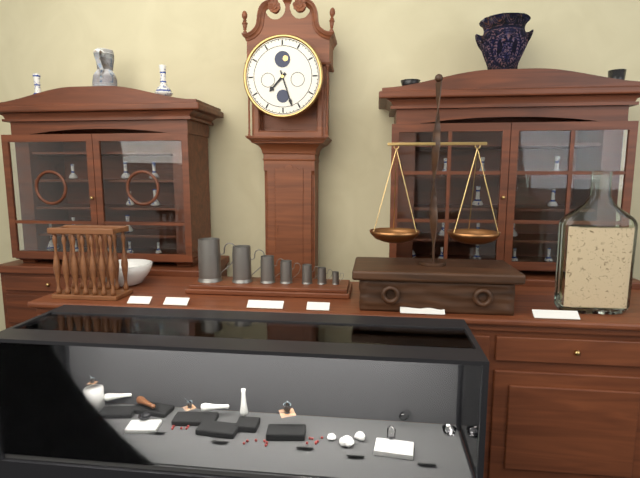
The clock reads {"hour": 7, "minute": 27}
